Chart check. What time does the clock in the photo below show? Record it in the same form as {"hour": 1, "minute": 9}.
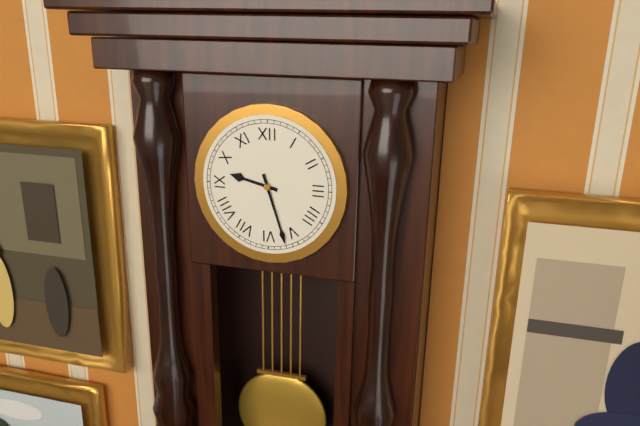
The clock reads {"hour": 9, "minute": 27}
